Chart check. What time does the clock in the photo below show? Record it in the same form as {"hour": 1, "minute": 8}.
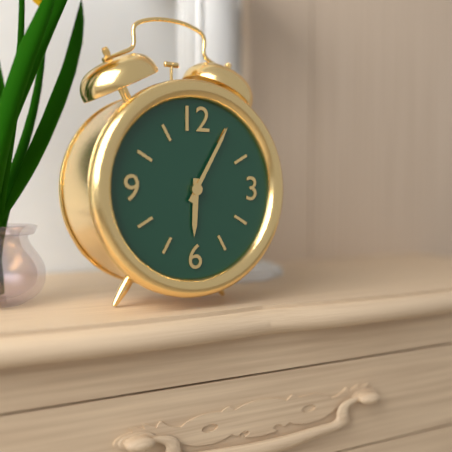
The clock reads {"hour": 6, "minute": 5}
